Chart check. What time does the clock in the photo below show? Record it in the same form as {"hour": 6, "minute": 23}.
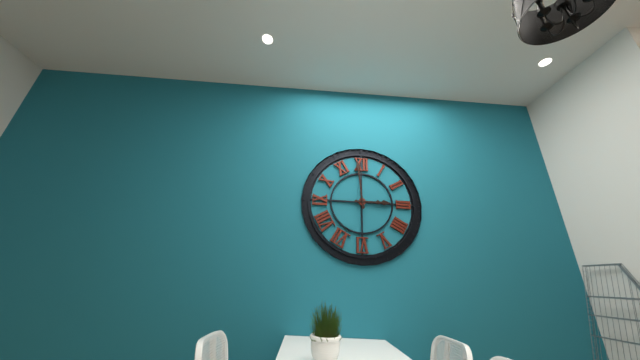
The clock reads {"hour": 2, "minute": 59}
